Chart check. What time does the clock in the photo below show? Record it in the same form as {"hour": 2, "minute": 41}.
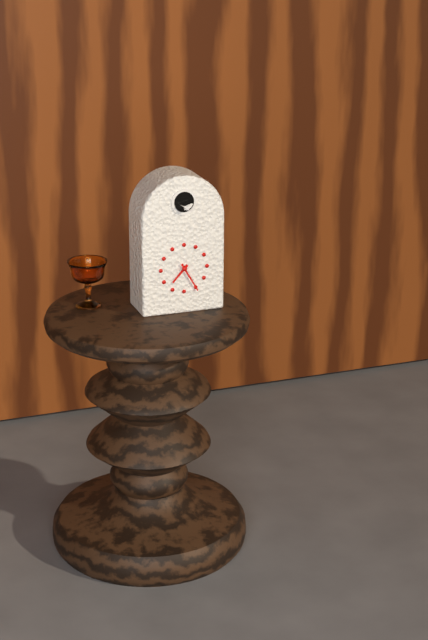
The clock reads {"hour": 7, "minute": 25}
